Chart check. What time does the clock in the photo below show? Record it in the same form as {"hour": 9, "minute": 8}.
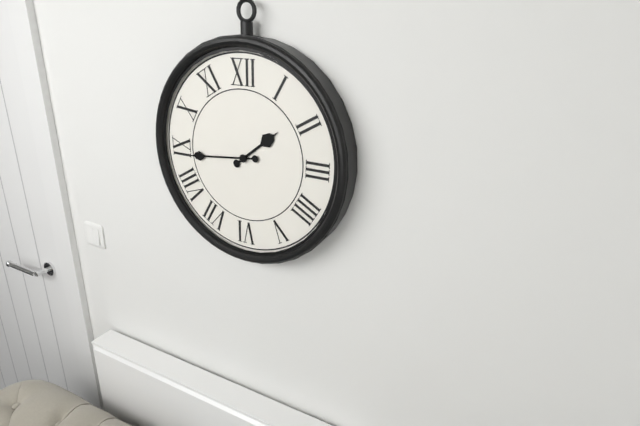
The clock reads {"hour": 1, "minute": 44}
